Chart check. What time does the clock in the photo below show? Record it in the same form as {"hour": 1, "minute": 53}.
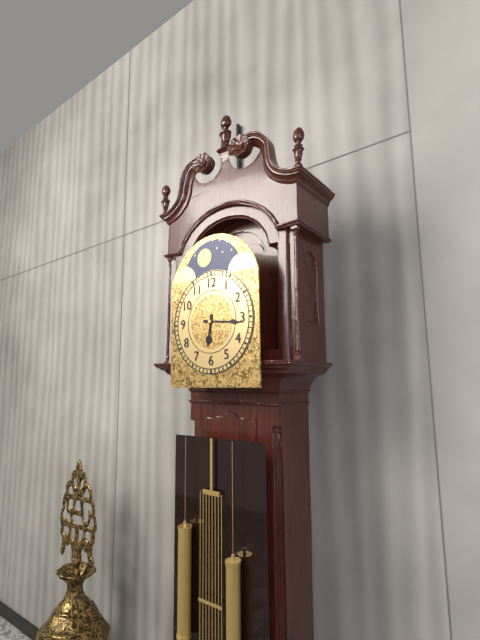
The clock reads {"hour": 6, "minute": 16}
